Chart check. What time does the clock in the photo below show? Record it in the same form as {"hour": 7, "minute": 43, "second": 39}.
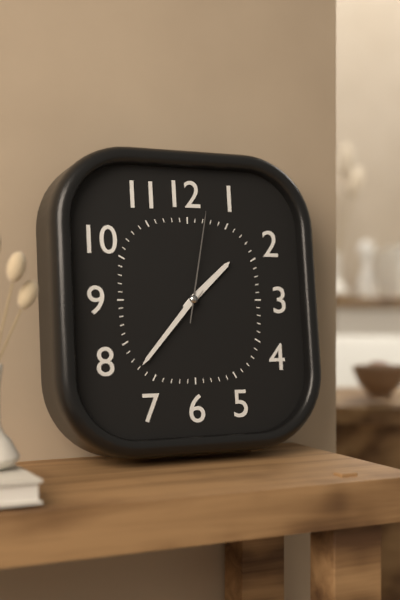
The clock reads {"hour": 1, "minute": 37, "second": 2}
